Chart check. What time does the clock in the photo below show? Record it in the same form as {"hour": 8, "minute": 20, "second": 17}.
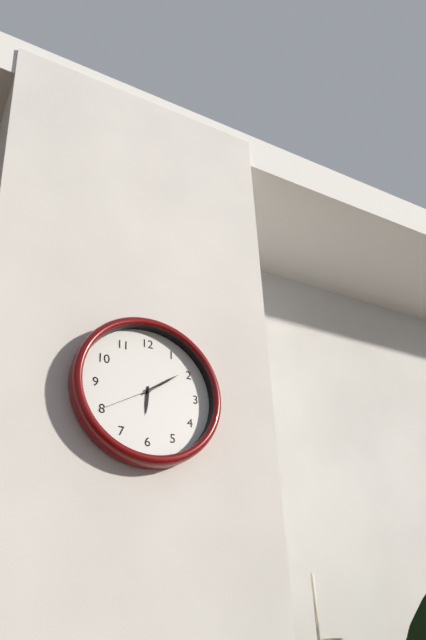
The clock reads {"hour": 6, "minute": 9, "second": 40}
